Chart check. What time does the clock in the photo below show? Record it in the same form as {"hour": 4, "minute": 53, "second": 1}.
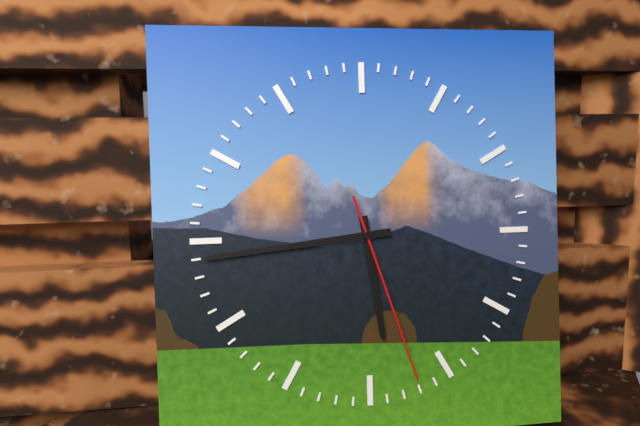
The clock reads {"hour": 5, "minute": 44, "second": 27}
